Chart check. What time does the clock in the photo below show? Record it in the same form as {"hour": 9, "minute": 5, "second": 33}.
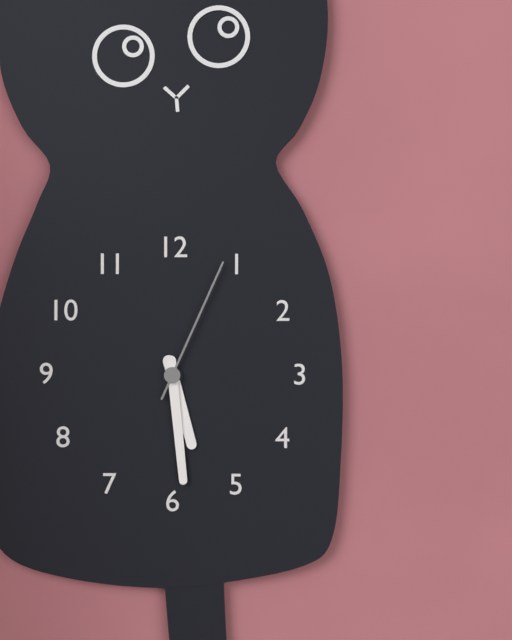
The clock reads {"hour": 5, "minute": 29, "second": 4}
